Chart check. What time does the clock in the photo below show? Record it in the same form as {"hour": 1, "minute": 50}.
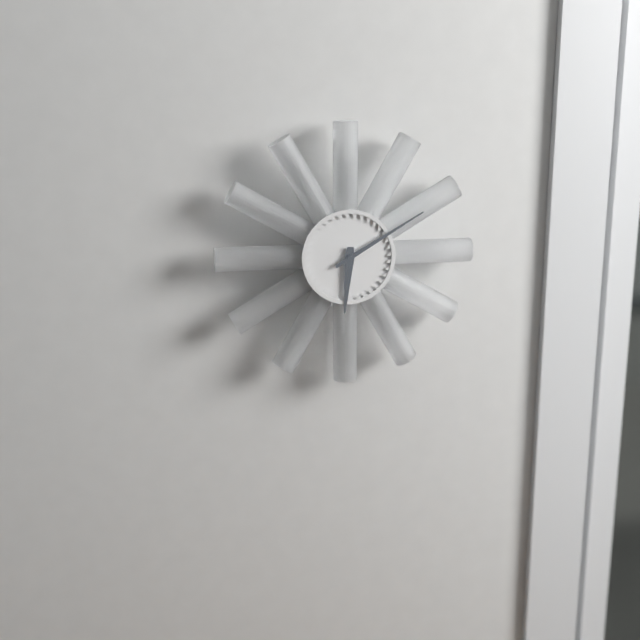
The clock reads {"hour": 6, "minute": 10}
